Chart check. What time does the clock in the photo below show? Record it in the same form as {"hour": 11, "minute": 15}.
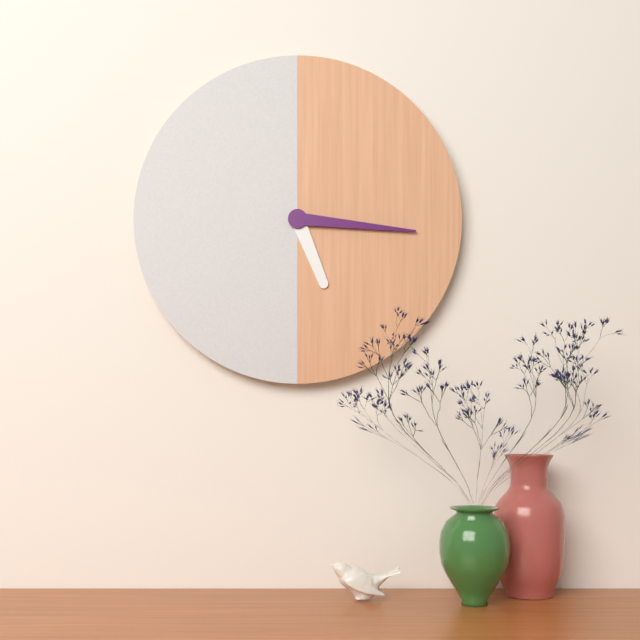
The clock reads {"hour": 5, "minute": 16}
